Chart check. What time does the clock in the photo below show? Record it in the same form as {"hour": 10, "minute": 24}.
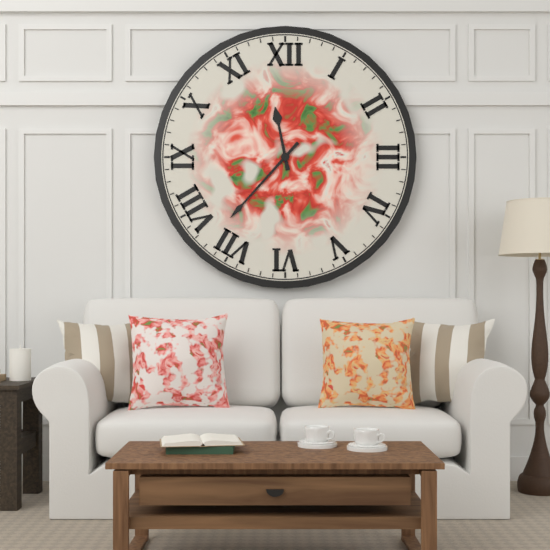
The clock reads {"hour": 11, "minute": 37}
